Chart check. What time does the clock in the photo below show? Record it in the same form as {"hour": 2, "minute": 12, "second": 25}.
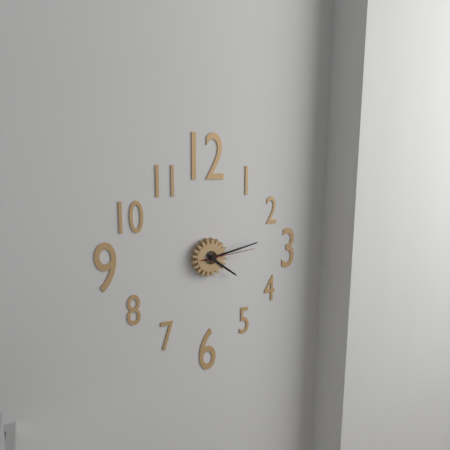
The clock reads {"hour": 4, "minute": 13, "second": 14}
